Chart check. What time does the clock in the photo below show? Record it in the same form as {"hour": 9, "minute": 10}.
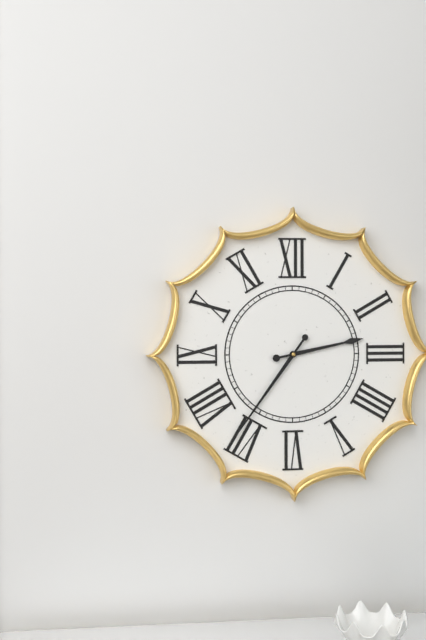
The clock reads {"hour": 2, "minute": 36}
